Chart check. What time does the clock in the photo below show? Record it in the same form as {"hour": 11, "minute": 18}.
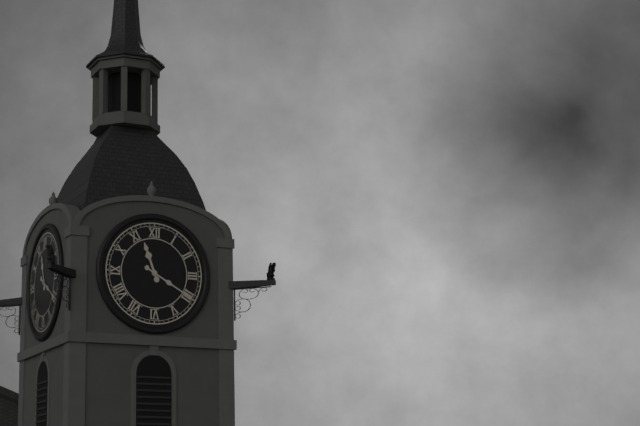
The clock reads {"hour": 11, "minute": 20}
